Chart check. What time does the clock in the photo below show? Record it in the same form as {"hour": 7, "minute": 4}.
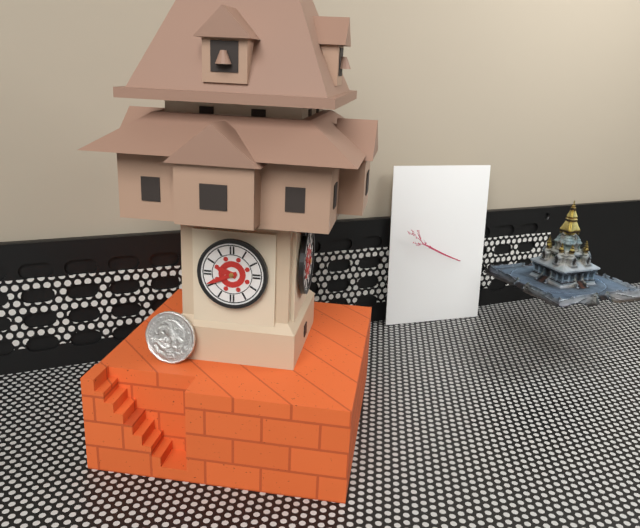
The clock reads {"hour": 9, "minute": 41}
